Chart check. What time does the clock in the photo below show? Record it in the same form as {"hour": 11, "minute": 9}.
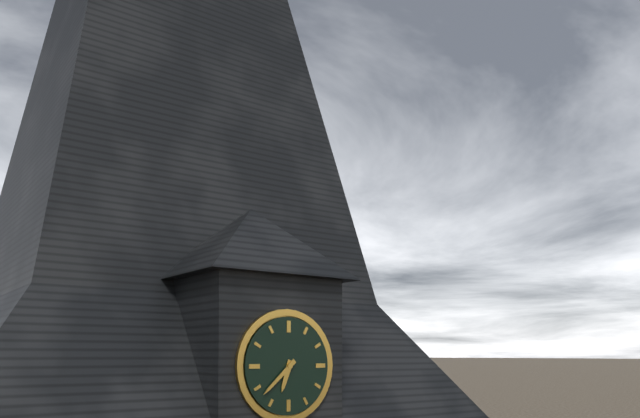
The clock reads {"hour": 6, "minute": 38}
